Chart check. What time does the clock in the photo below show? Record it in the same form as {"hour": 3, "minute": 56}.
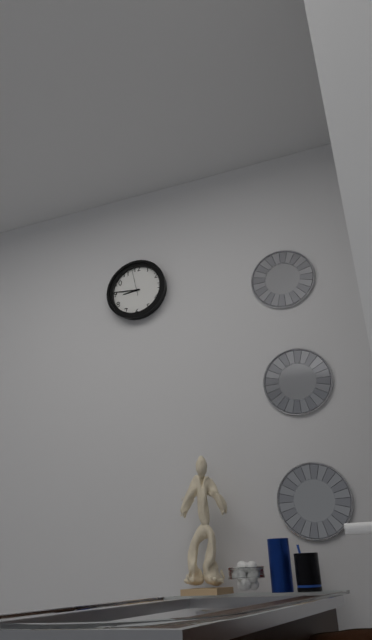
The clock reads {"hour": 8, "minute": 46}
